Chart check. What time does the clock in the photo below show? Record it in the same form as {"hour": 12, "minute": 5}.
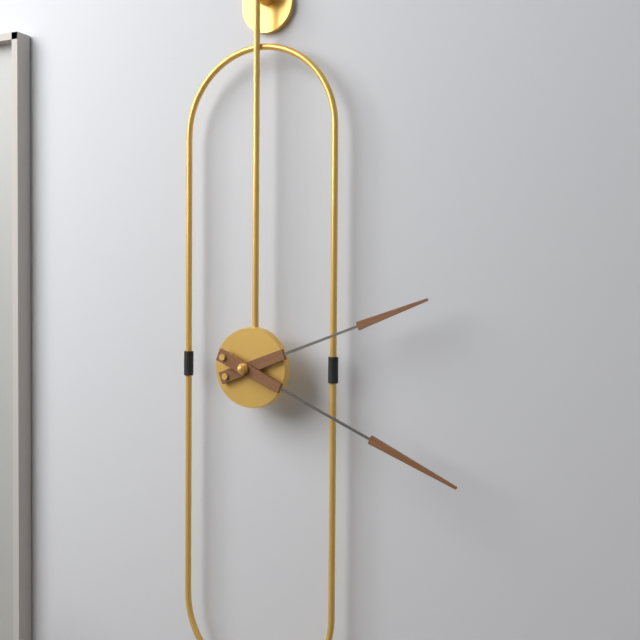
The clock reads {"hour": 2, "minute": 19}
